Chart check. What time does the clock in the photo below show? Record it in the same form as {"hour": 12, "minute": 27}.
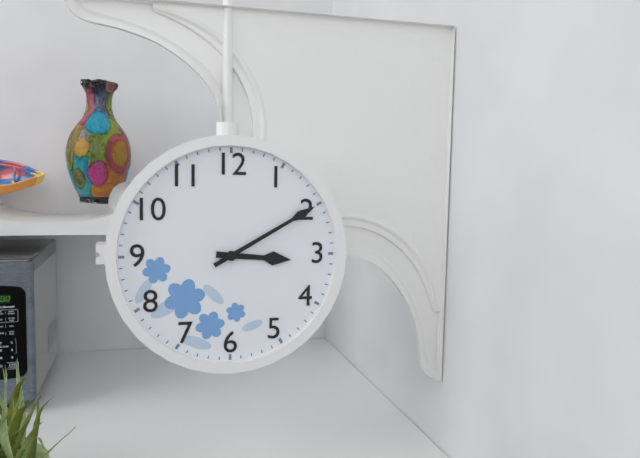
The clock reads {"hour": 3, "minute": 10}
